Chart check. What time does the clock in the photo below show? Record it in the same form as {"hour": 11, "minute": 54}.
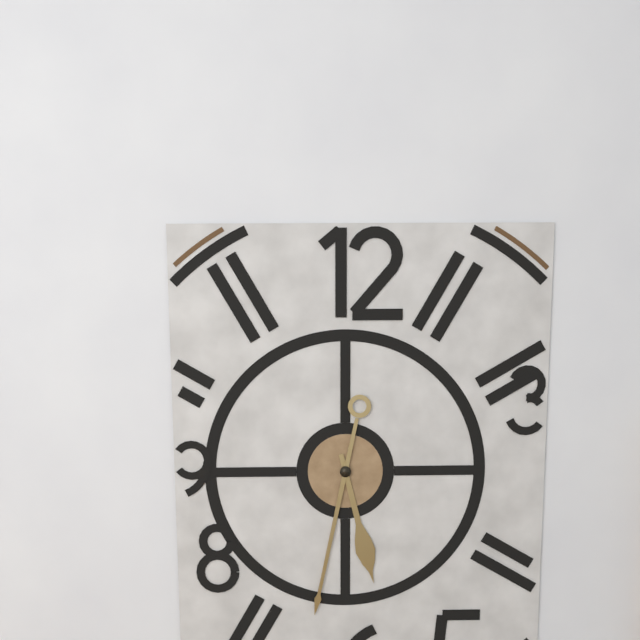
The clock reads {"hour": 5, "minute": 32}
